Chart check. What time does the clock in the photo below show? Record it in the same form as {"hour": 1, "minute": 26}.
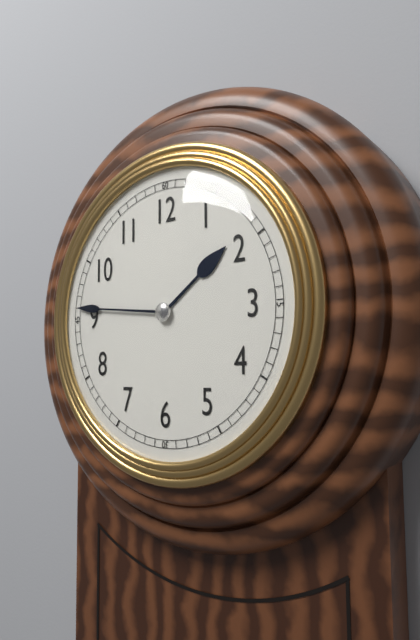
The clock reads {"hour": 1, "minute": 46}
